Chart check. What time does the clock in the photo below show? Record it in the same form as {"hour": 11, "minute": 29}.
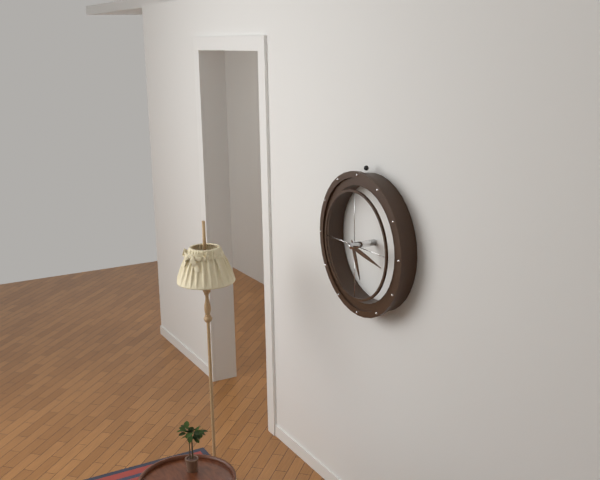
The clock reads {"hour": 5, "minute": 17}
